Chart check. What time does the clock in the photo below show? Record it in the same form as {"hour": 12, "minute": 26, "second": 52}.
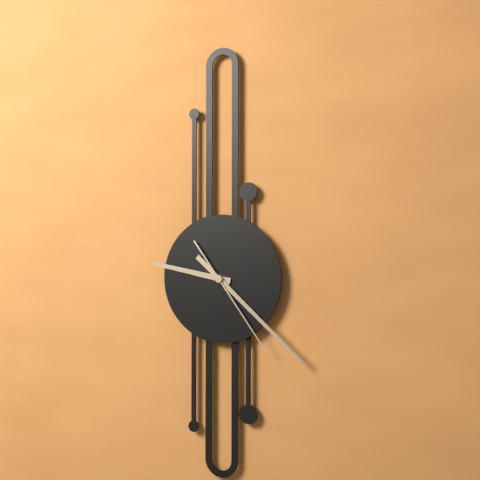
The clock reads {"hour": 9, "minute": 22, "second": 24}
